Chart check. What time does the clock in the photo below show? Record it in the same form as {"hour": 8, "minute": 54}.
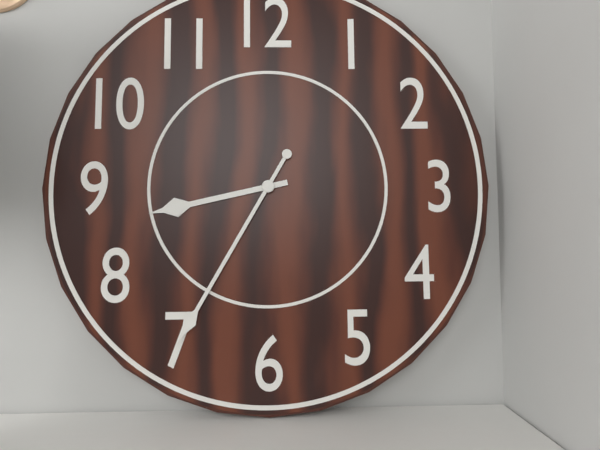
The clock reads {"hour": 8, "minute": 35}
